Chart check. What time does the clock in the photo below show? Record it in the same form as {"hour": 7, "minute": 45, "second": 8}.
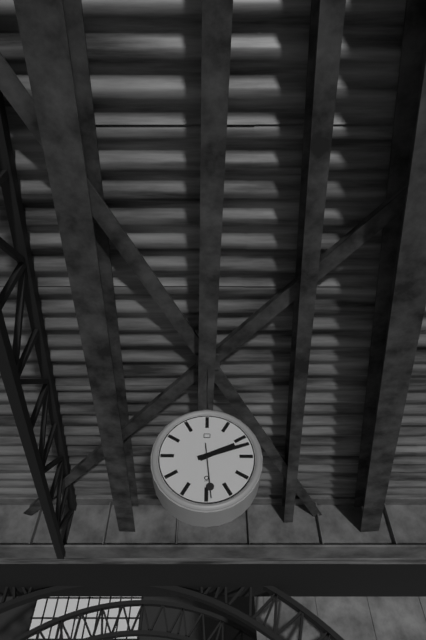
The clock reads {"hour": 2, "minute": 12, "second": 29}
